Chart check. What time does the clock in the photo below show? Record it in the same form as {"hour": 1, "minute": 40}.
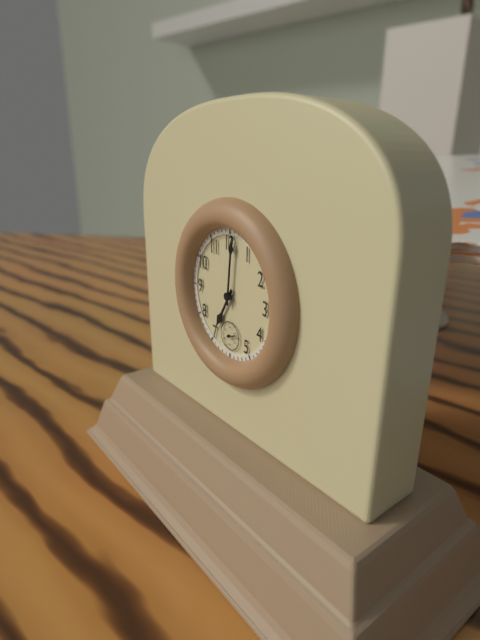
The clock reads {"hour": 7, "minute": 1}
